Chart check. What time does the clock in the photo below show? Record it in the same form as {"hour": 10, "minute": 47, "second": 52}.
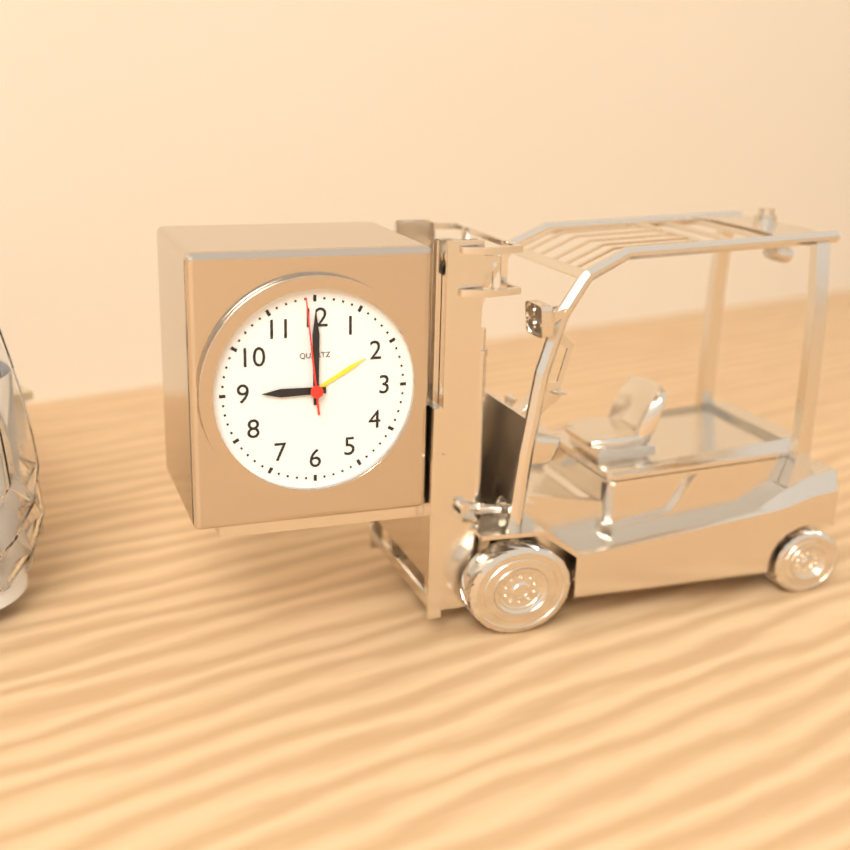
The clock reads {"hour": 9, "minute": 0, "second": 59}
